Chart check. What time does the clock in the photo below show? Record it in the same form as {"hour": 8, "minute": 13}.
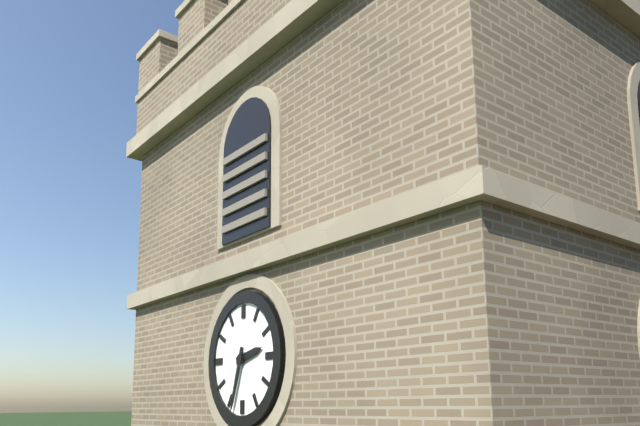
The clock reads {"hour": 2, "minute": 33}
